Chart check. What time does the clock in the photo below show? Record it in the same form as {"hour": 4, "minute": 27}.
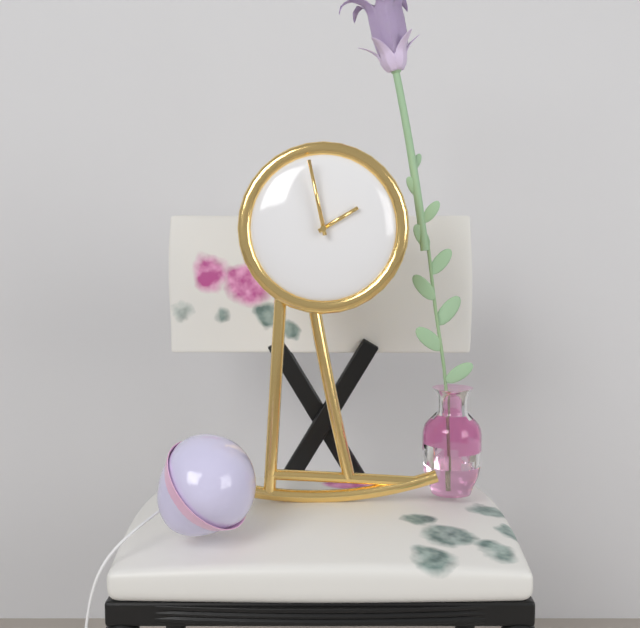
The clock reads {"hour": 1, "minute": 58}
